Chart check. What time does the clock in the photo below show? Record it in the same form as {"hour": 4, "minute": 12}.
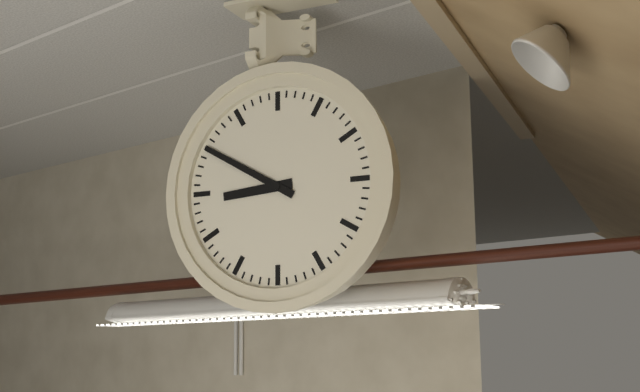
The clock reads {"hour": 8, "minute": 50}
